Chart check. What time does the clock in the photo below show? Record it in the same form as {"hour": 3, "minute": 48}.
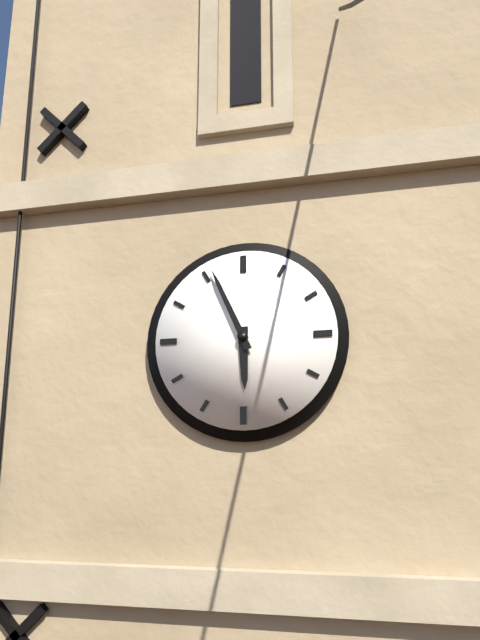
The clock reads {"hour": 5, "minute": 56}
